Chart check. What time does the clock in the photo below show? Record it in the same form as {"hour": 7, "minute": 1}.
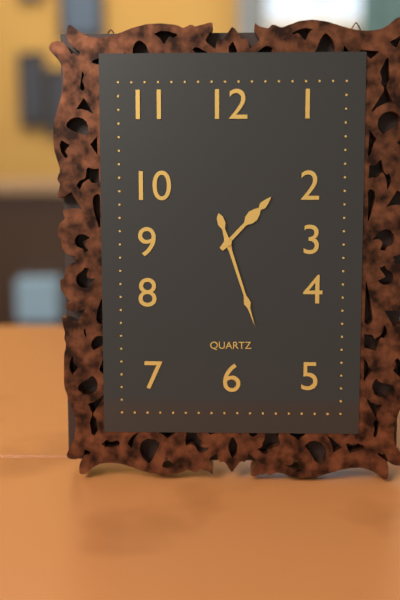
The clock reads {"hour": 1, "minute": 27}
